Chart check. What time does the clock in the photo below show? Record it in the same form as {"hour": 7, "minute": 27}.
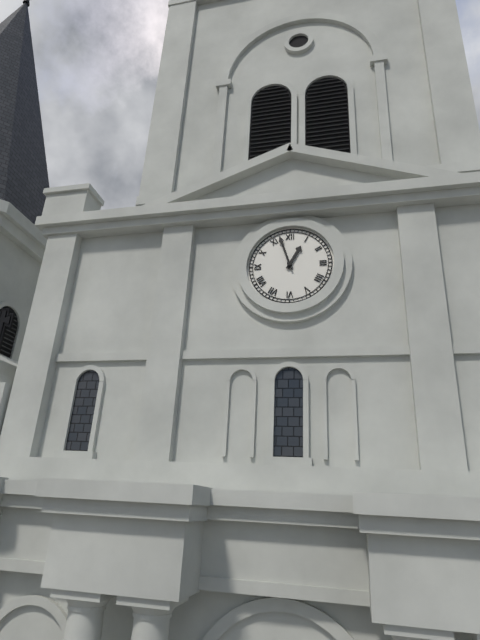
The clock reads {"hour": 12, "minute": 57}
